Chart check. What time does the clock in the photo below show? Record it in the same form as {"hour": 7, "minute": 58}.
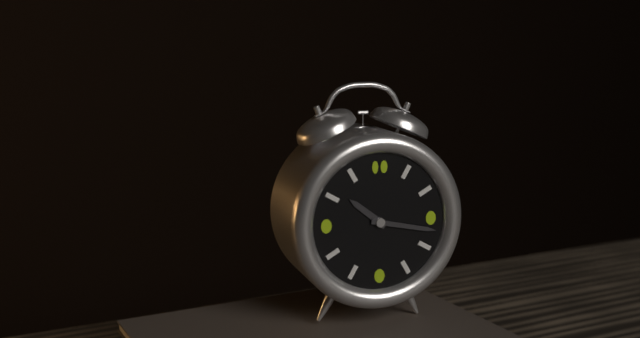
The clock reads {"hour": 10, "minute": 17}
